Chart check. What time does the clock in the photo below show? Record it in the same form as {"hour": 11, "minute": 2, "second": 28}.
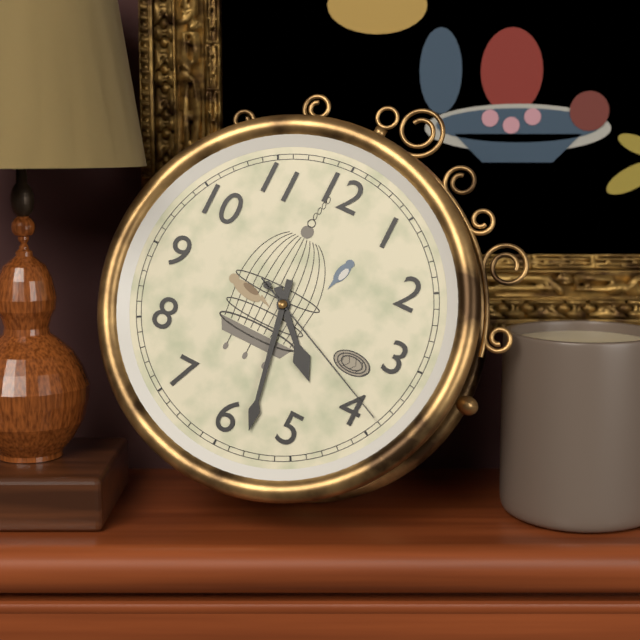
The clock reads {"hour": 4, "minute": 28, "second": 19}
